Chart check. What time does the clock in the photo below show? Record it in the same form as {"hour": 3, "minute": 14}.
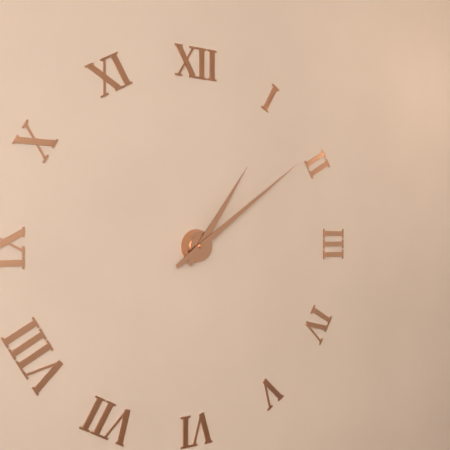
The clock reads {"hour": 1, "minute": 9}
